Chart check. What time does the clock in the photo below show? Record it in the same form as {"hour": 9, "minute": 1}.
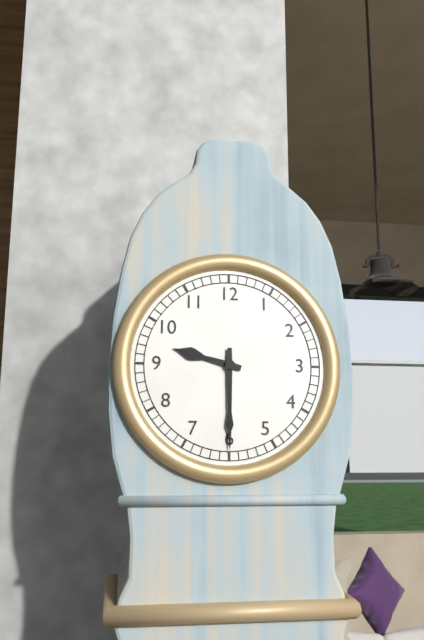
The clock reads {"hour": 9, "minute": 30}
